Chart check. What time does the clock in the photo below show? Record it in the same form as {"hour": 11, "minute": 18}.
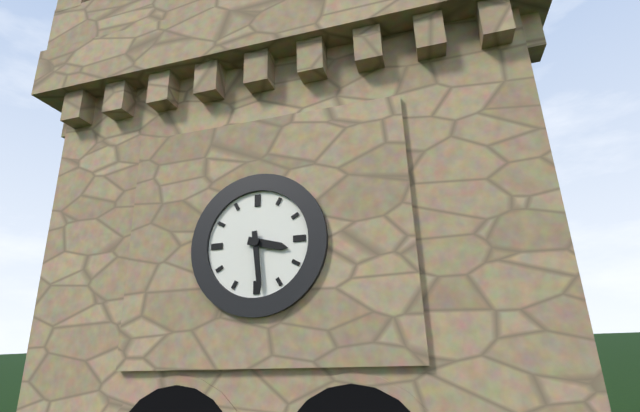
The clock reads {"hour": 3, "minute": 29}
